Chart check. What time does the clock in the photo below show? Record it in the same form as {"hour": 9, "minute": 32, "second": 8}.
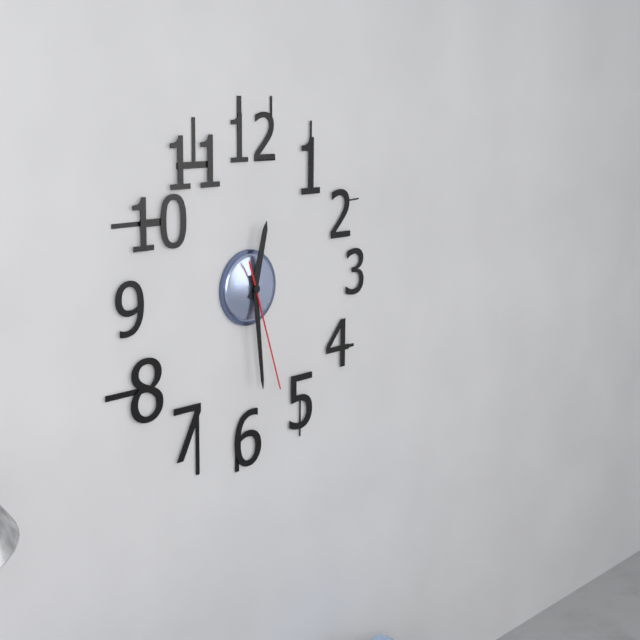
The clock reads {"hour": 12, "minute": 29, "second": 27}
